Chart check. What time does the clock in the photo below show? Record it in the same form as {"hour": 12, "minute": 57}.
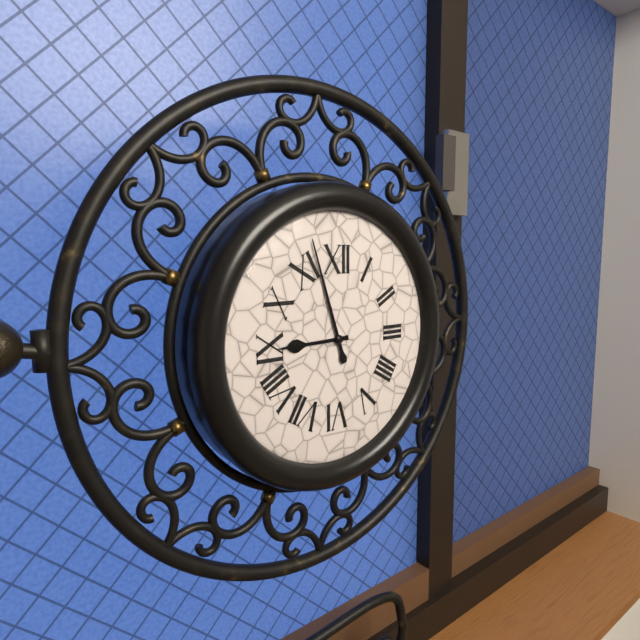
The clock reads {"hour": 8, "minute": 57}
